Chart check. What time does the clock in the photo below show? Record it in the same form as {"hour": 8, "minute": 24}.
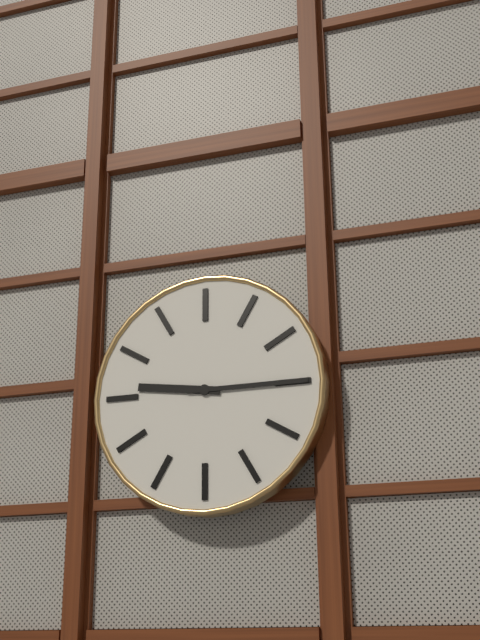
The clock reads {"hour": 9, "minute": 15}
